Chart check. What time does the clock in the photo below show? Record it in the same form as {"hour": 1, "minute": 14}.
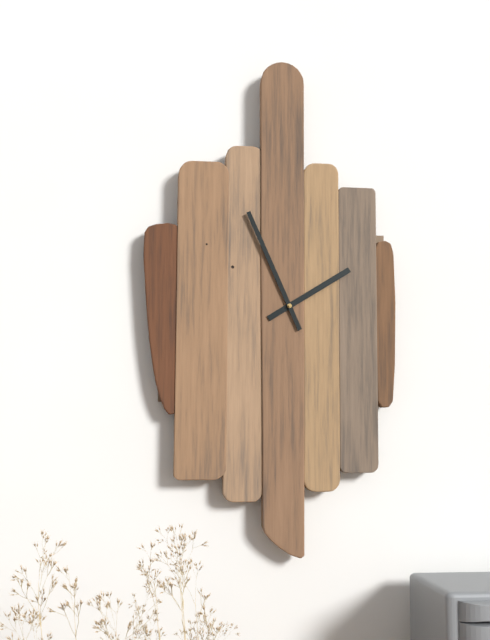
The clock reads {"hour": 1, "minute": 56}
